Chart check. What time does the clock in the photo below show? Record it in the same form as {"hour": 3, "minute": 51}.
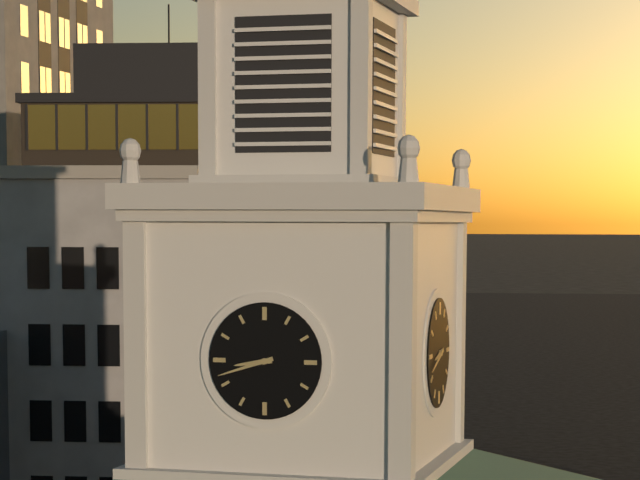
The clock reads {"hour": 8, "minute": 42}
